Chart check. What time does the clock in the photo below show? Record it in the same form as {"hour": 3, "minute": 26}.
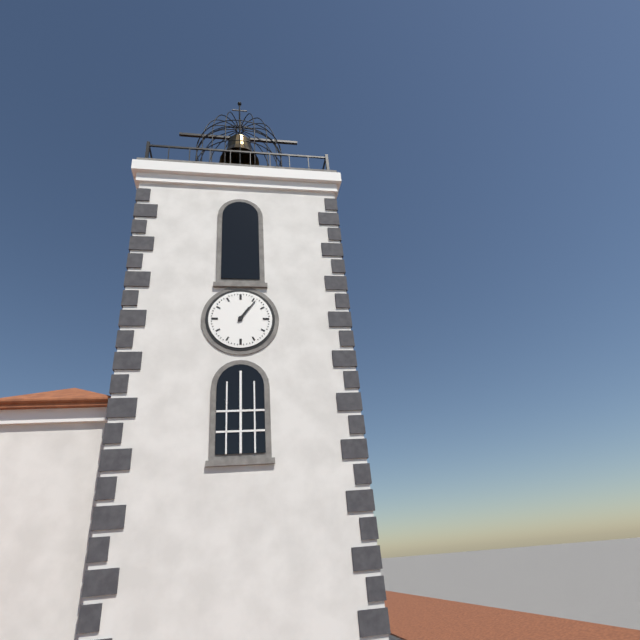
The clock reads {"hour": 1, "minute": 6}
